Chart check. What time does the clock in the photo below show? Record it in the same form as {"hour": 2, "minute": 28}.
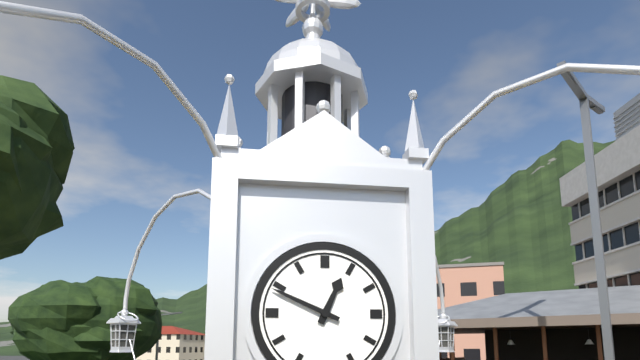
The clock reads {"hour": 12, "minute": 49}
